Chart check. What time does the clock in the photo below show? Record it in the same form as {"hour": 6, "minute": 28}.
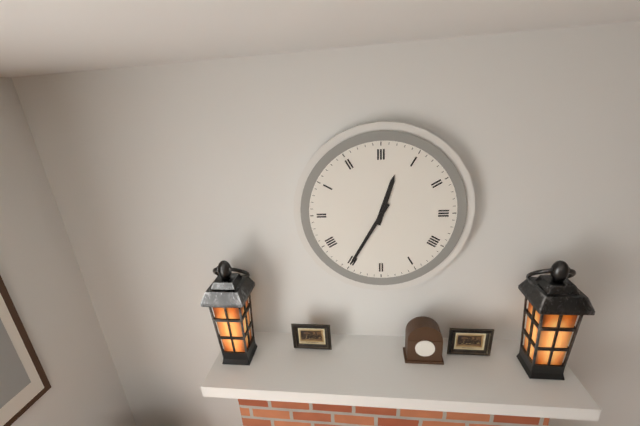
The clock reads {"hour": 12, "minute": 35}
